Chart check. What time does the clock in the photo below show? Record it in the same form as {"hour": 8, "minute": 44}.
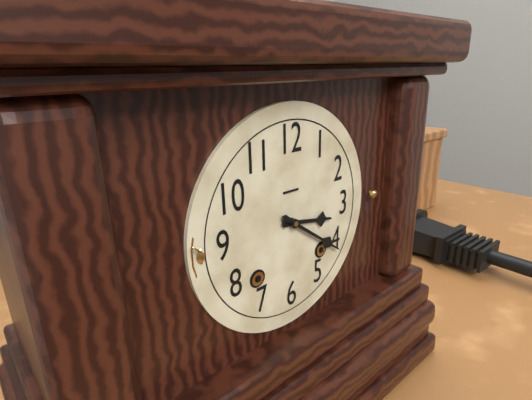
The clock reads {"hour": 3, "minute": 21}
